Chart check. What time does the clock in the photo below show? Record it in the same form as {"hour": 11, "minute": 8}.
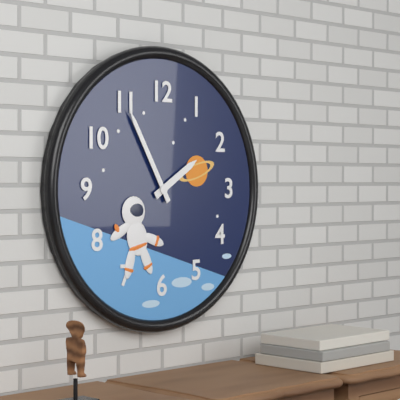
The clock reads {"hour": 1, "minute": 55}
